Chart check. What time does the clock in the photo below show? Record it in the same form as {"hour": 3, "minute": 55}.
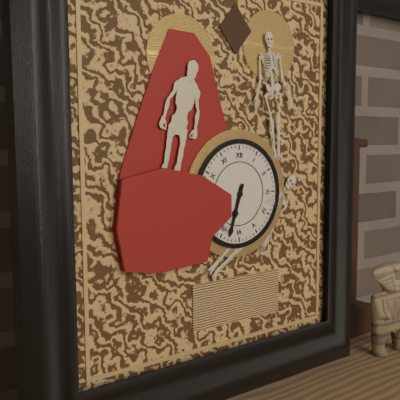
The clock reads {"hour": 6, "minute": 33}
